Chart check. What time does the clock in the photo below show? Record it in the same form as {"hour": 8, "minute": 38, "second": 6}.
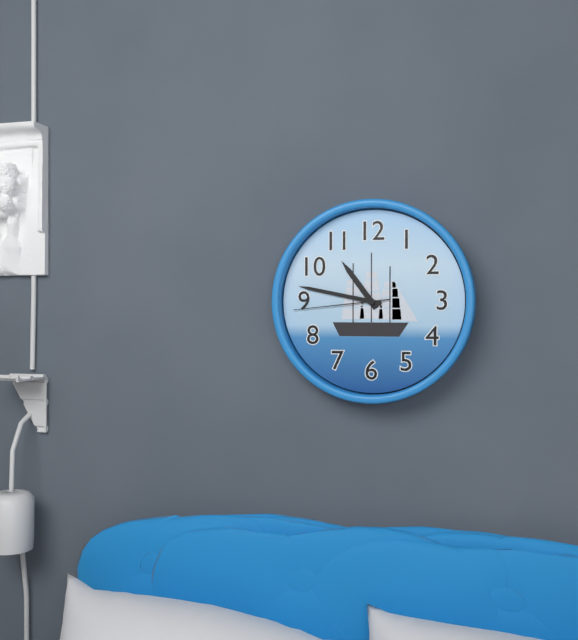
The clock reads {"hour": 10, "minute": 47, "second": 44}
